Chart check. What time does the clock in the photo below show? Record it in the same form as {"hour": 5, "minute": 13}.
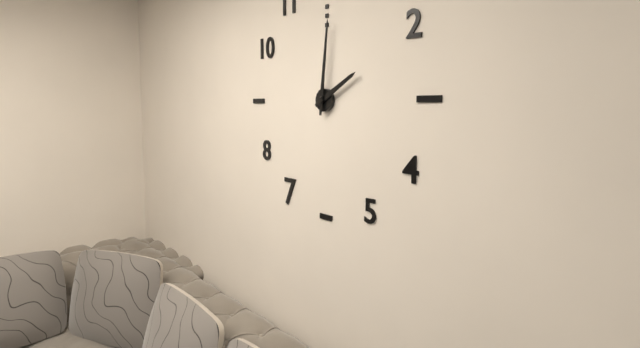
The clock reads {"hour": 2, "minute": 1}
